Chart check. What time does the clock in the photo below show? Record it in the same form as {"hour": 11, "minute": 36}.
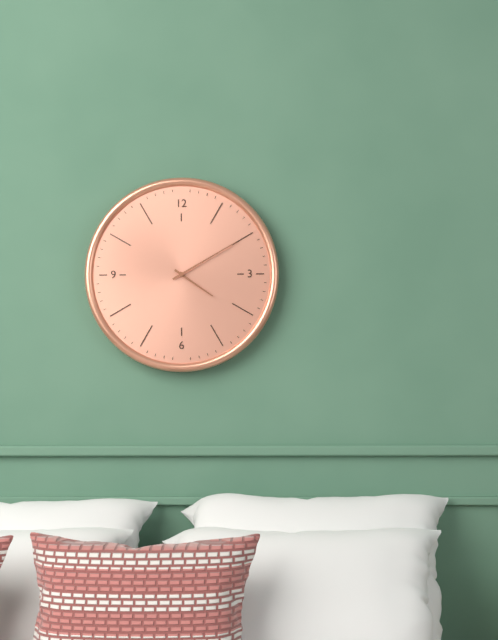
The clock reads {"hour": 4, "minute": 10}
